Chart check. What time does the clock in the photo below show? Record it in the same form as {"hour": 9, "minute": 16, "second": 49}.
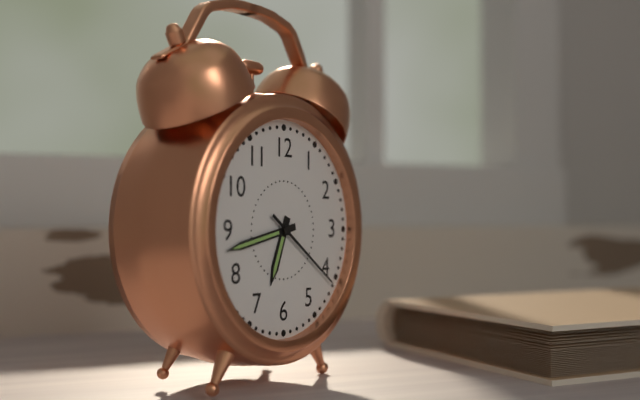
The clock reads {"hour": 6, "minute": 43, "second": 21}
